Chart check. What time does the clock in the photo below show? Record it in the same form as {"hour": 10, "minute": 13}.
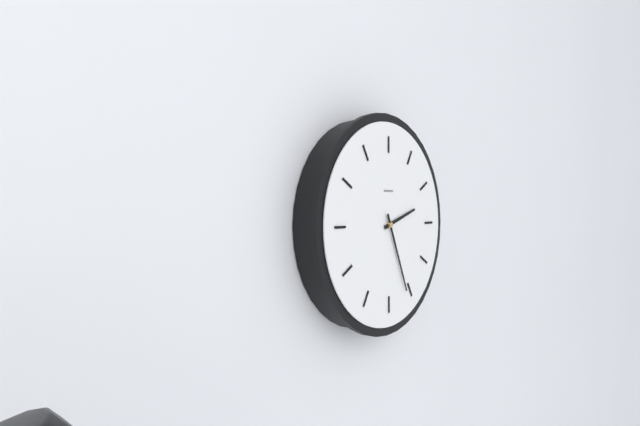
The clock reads {"hour": 2, "minute": 26}
